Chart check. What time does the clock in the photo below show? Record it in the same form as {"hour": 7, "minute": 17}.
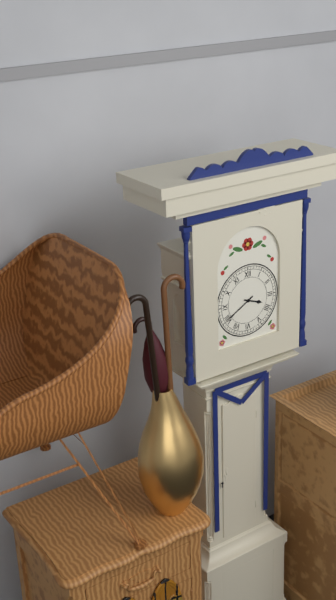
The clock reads {"hour": 3, "minute": 40}
